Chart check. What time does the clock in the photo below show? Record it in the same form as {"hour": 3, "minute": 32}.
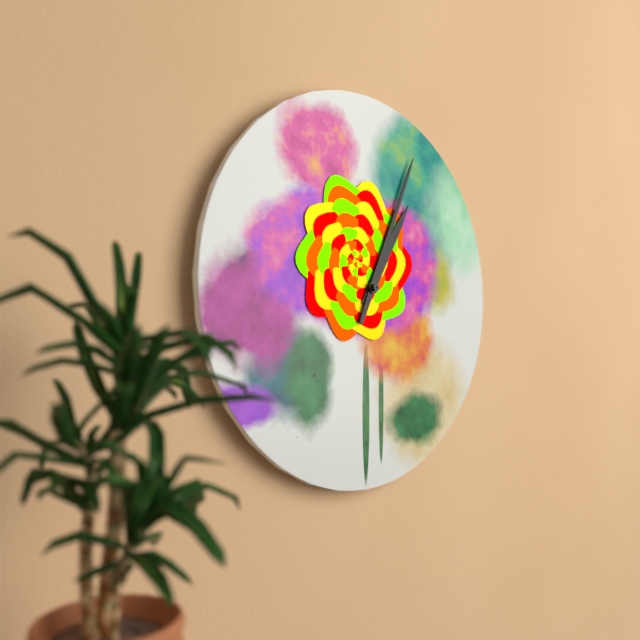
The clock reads {"hour": 1, "minute": 4}
